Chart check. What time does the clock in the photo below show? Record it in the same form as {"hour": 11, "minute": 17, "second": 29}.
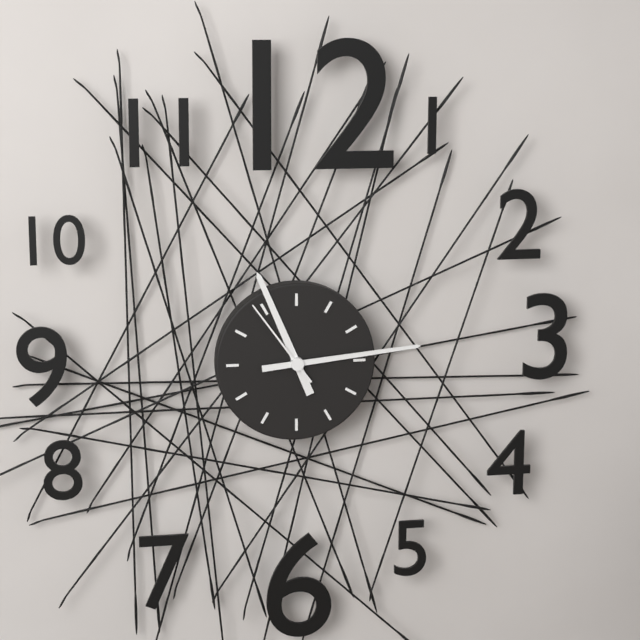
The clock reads {"hour": 11, "minute": 14, "second": 54}
